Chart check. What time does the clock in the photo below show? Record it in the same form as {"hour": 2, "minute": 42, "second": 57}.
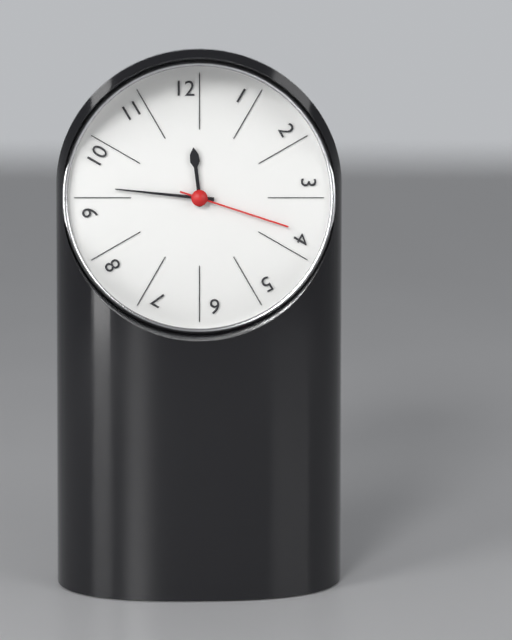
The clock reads {"hour": 11, "minute": 46, "second": 18}
